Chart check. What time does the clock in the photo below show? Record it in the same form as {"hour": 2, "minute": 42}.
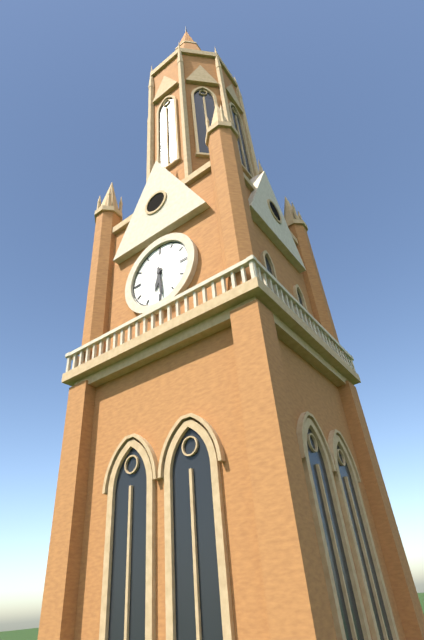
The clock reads {"hour": 6, "minute": 29}
